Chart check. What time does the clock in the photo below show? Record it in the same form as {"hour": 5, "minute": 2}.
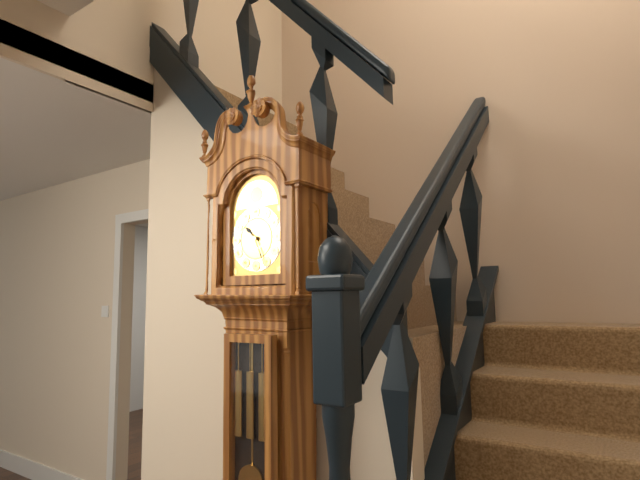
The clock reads {"hour": 10, "minute": 26}
